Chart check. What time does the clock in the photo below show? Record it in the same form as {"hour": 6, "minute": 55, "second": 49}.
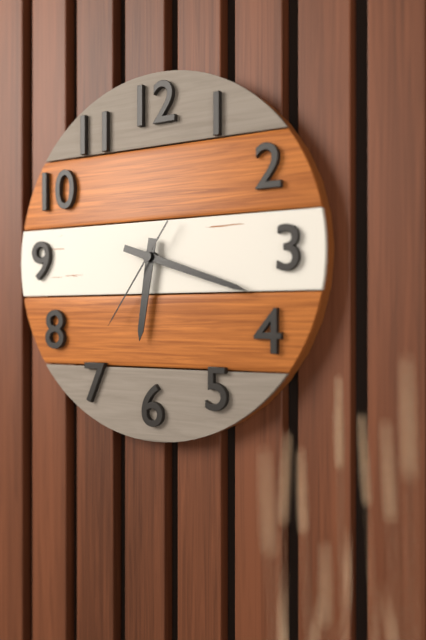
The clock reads {"hour": 6, "minute": 18, "second": 36}
